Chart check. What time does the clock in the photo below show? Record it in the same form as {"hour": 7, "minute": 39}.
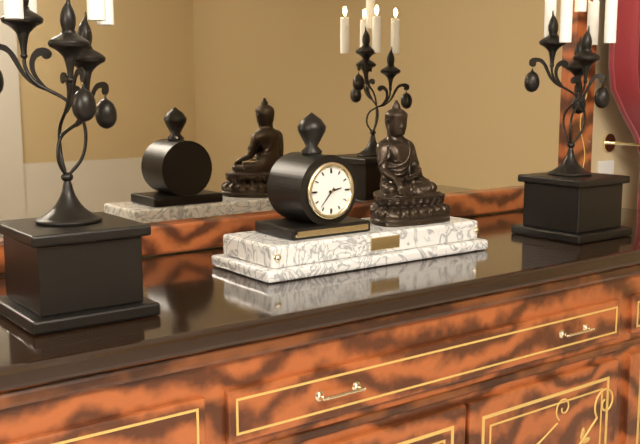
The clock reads {"hour": 2, "minute": 37}
